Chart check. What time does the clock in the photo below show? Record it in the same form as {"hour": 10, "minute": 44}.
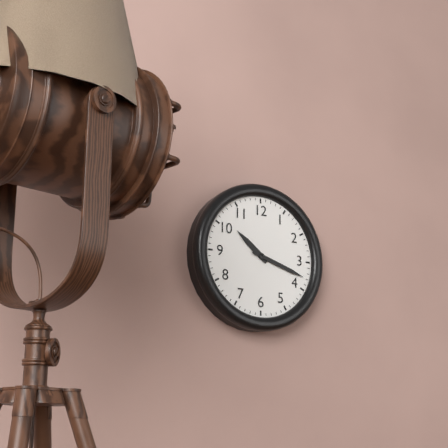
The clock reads {"hour": 10, "minute": 18}
